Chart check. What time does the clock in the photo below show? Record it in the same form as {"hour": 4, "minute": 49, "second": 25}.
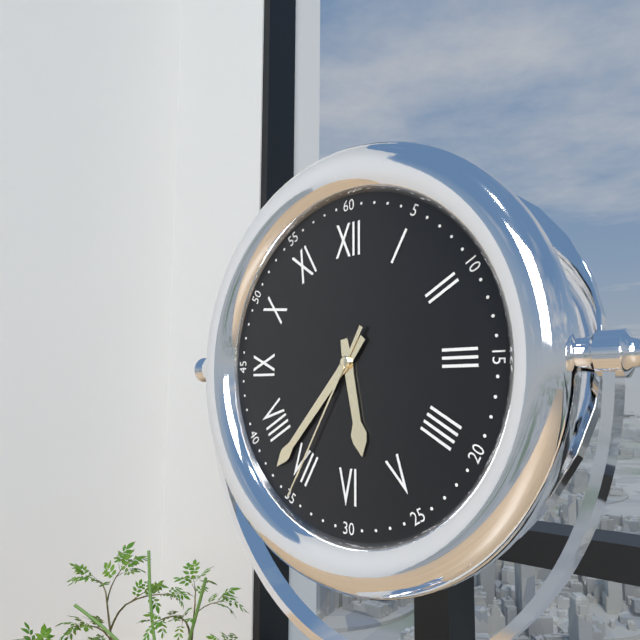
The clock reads {"hour": 5, "minute": 37, "second": 35}
